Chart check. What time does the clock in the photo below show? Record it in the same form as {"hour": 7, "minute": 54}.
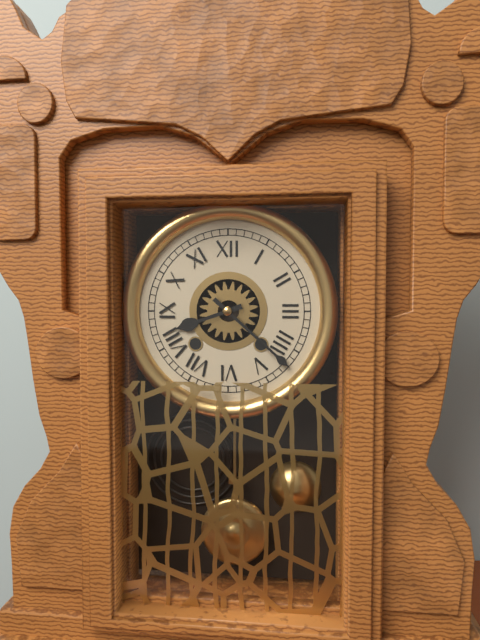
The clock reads {"hour": 8, "minute": 22}
